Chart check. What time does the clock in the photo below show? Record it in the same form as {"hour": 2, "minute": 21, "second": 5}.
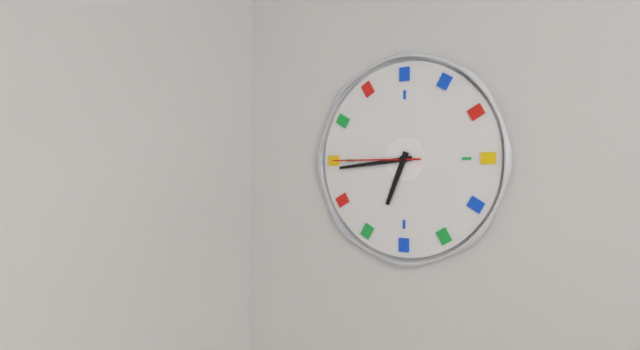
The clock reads {"hour": 6, "minute": 44, "second": 45}
